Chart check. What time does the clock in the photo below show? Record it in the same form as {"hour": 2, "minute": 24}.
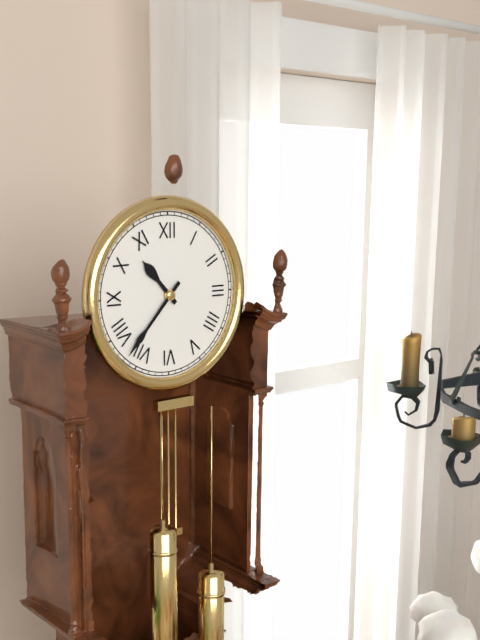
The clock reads {"hour": 10, "minute": 37}
